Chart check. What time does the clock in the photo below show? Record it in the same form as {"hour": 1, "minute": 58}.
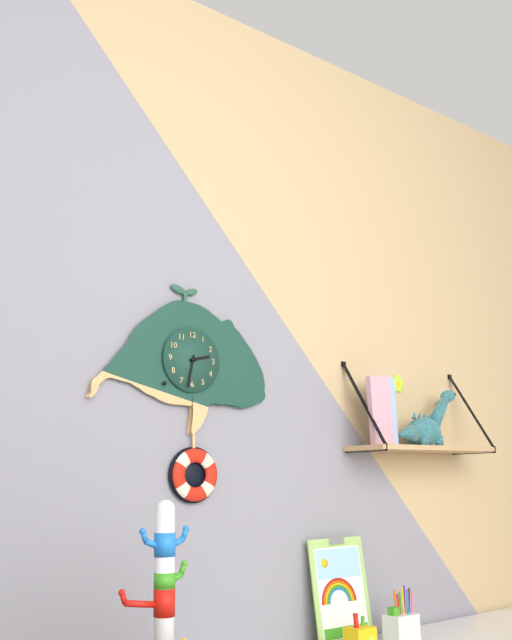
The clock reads {"hour": 2, "minute": 32}
